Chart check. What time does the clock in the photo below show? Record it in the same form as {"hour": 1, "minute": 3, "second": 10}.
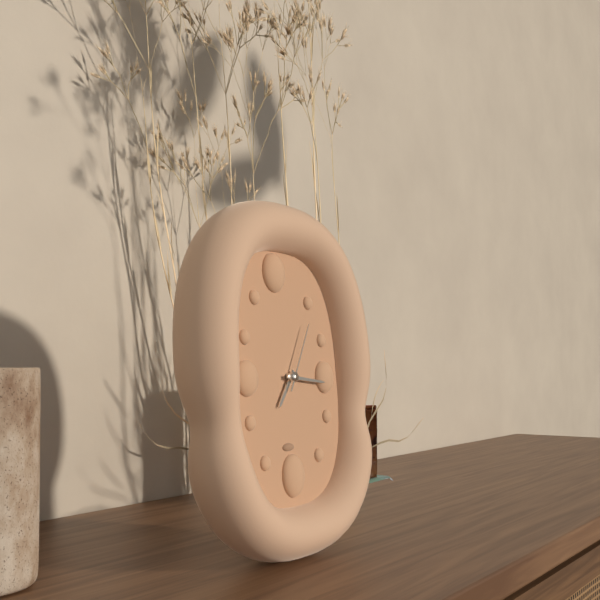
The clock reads {"hour": 7, "minute": 16, "second": 5}
